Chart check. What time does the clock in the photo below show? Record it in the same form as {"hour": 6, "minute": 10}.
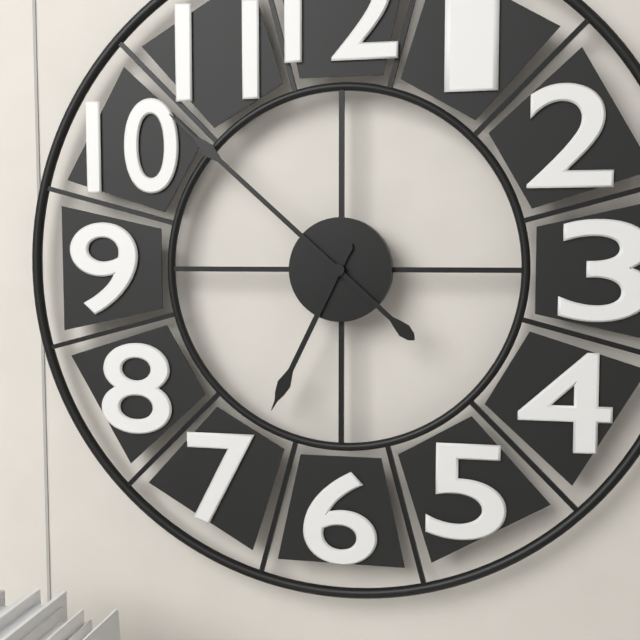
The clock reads {"hour": 6, "minute": 52}
